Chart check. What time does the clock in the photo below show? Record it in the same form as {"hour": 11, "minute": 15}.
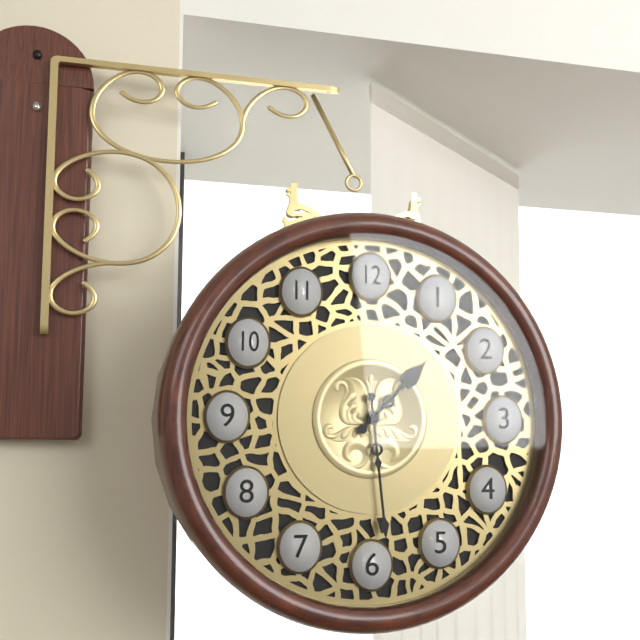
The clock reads {"hour": 1, "minute": 29}
